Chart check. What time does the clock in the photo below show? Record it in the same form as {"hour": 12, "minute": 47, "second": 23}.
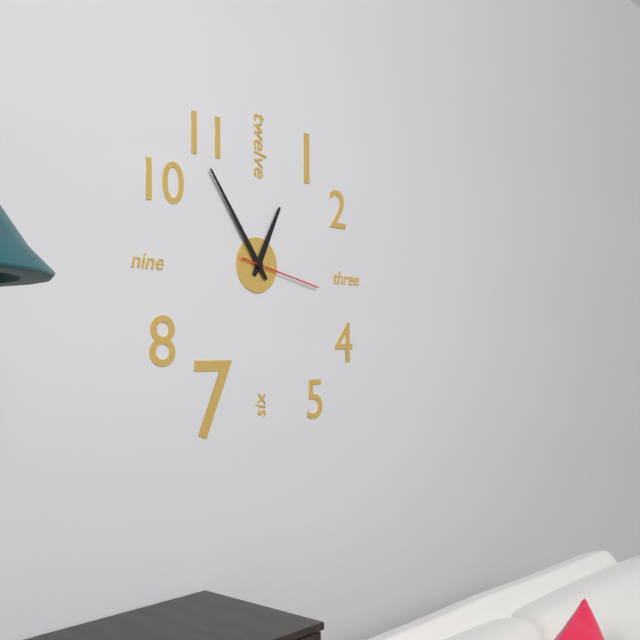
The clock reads {"hour": 12, "minute": 54, "second": 17}
